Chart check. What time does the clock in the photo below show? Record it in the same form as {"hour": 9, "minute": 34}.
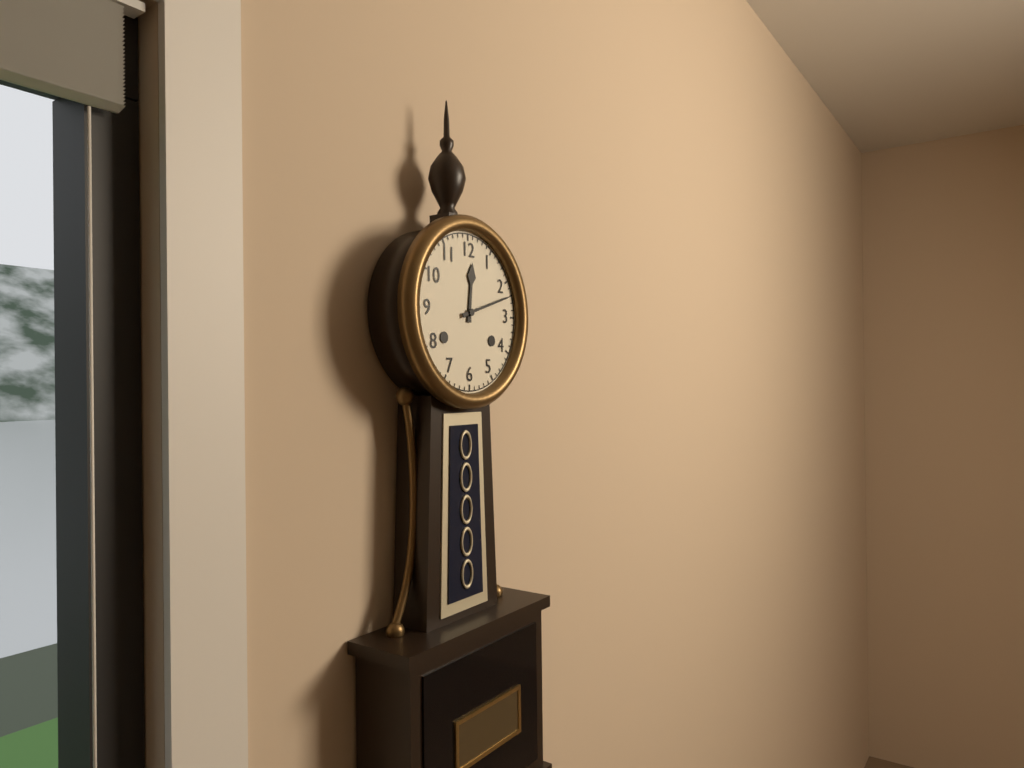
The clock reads {"hour": 12, "minute": 12}
